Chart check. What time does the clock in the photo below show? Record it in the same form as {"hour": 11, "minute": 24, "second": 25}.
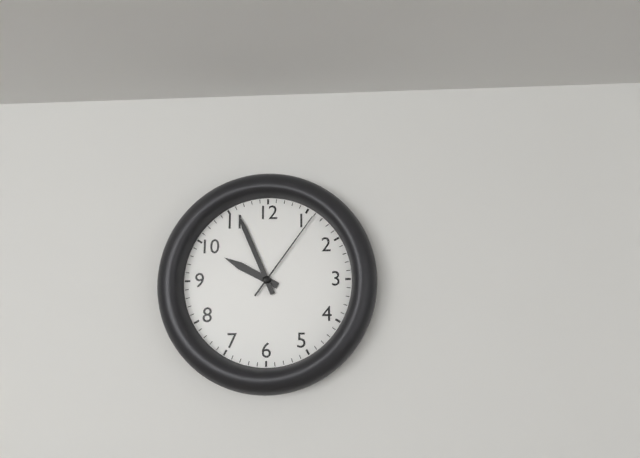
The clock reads {"hour": 9, "minute": 56, "second": 6}
